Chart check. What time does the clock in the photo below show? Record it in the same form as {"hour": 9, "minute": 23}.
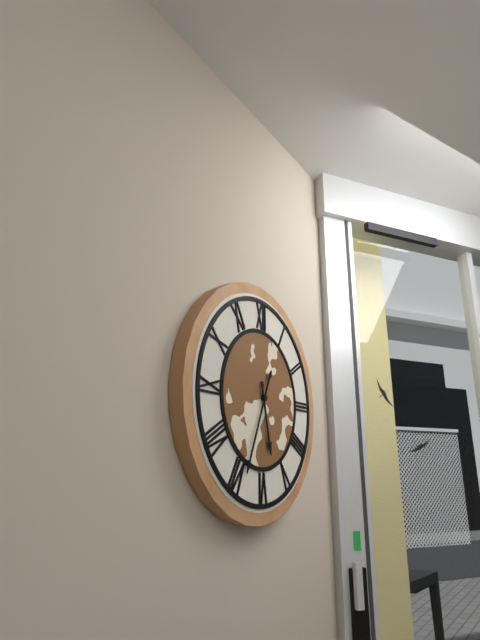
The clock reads {"hour": 5, "minute": 34}
